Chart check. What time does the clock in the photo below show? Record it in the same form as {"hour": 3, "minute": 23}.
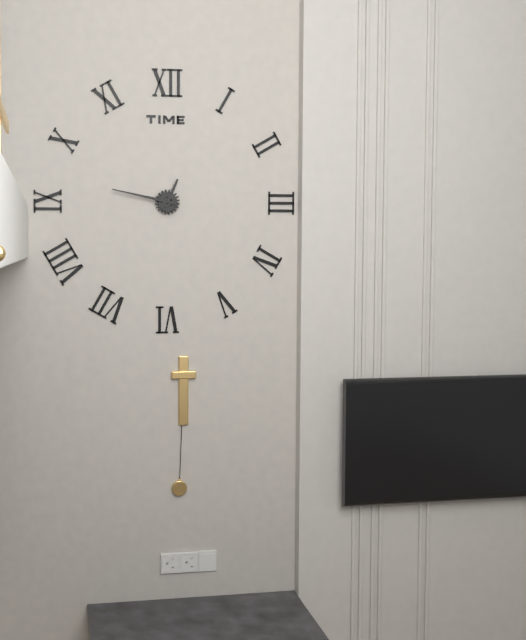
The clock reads {"hour": 12, "minute": 47}
